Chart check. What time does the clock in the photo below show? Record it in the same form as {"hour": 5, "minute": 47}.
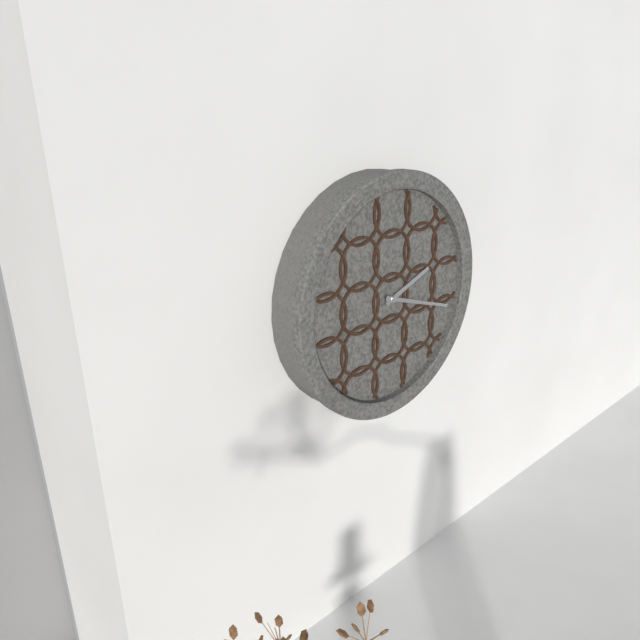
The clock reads {"hour": 2, "minute": 18}
